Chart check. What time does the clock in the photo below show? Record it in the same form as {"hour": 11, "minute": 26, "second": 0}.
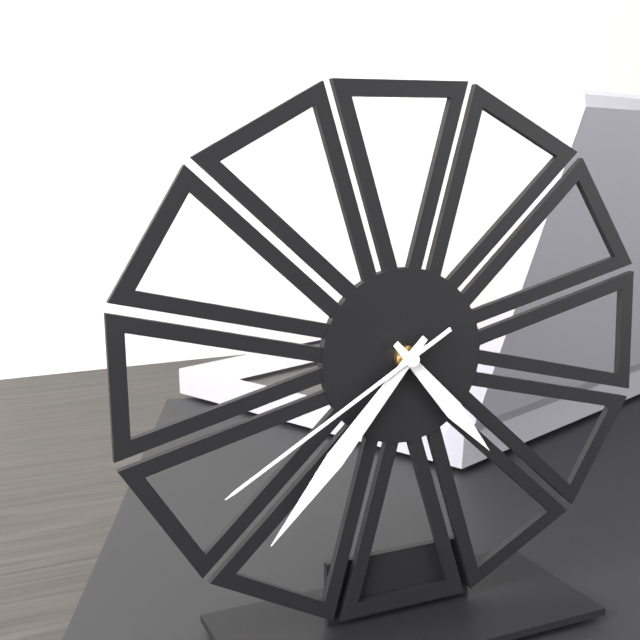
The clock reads {"hour": 4, "minute": 37, "second": 40}
